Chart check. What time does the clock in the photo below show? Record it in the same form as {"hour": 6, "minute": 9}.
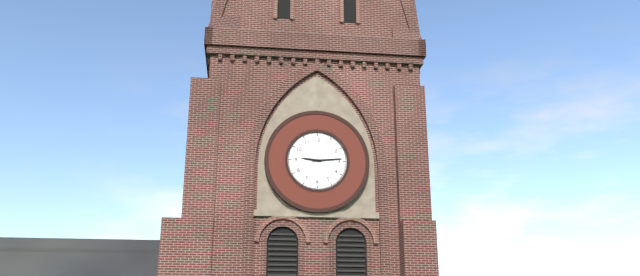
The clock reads {"hour": 9, "minute": 14}
